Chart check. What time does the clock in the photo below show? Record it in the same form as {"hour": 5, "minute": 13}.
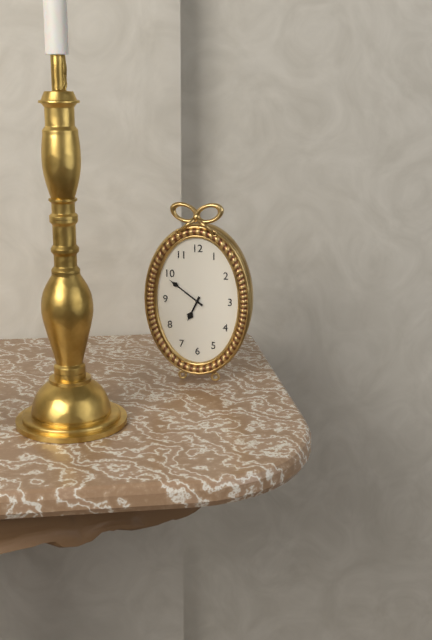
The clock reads {"hour": 6, "minute": 51}
